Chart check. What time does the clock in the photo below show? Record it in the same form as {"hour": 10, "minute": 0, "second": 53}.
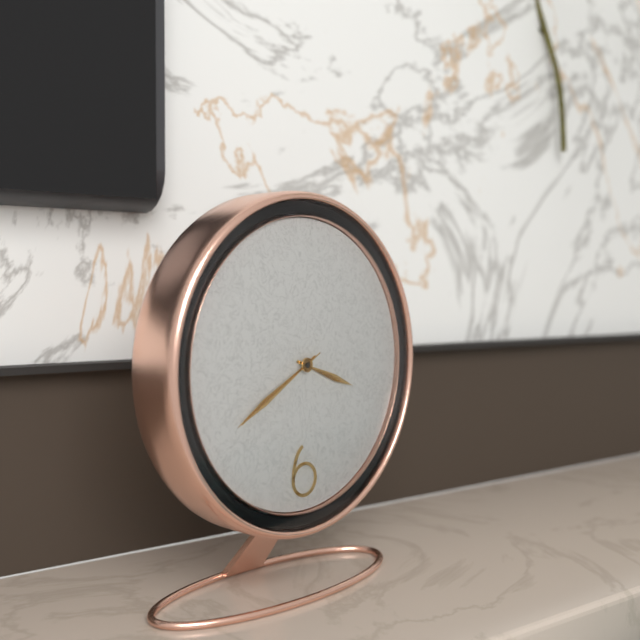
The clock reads {"hour": 3, "minute": 40, "second": 40}
